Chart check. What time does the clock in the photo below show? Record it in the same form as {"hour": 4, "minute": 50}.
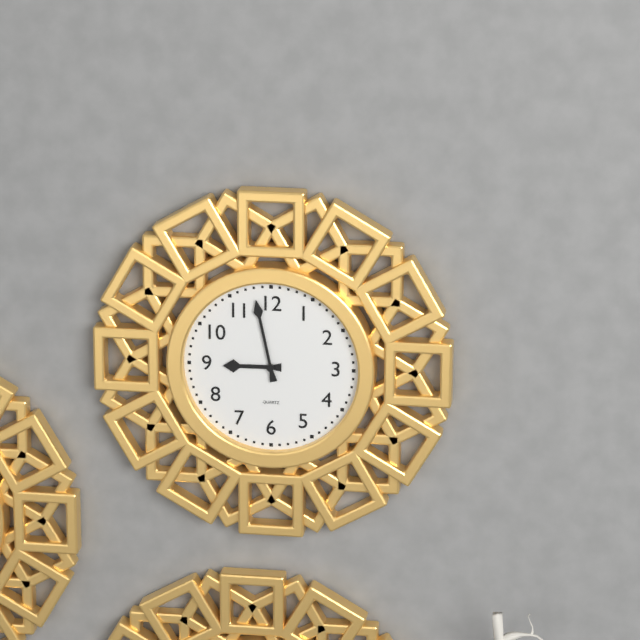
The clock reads {"hour": 8, "minute": 58}
